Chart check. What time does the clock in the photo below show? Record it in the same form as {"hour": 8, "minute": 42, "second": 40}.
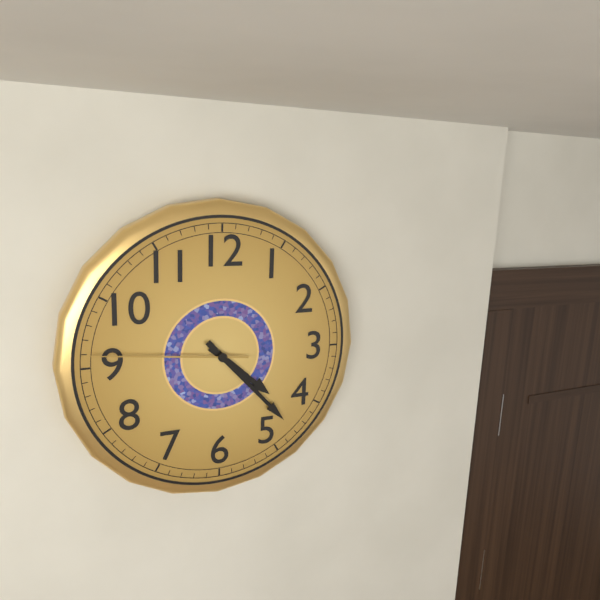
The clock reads {"hour": 4, "minute": 23, "second": 46}
